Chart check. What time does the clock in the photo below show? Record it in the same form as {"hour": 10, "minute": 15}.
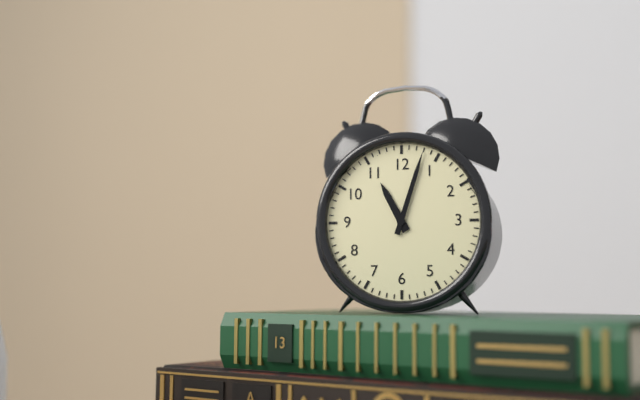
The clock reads {"hour": 11, "minute": 3}
